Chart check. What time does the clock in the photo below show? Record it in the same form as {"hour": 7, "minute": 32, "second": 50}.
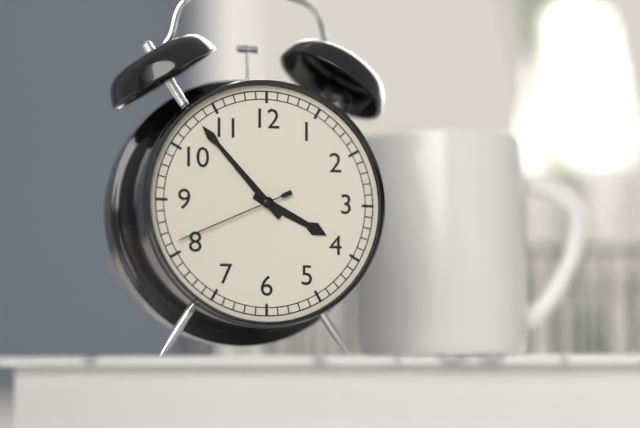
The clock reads {"hour": 3, "minute": 53, "second": 41}
